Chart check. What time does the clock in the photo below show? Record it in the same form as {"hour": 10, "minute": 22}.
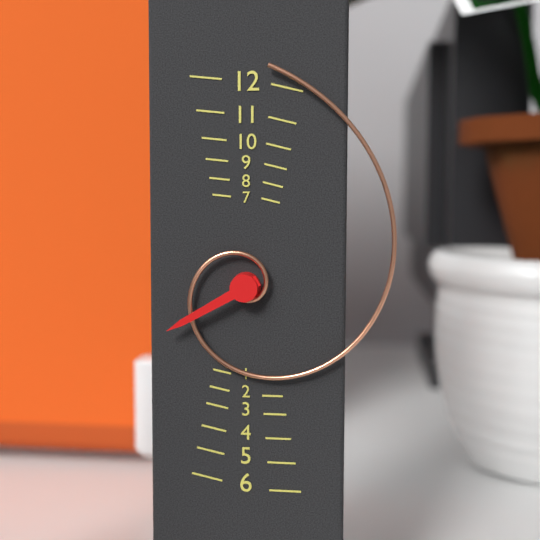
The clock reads {"hour": 8, "minute": 1}
